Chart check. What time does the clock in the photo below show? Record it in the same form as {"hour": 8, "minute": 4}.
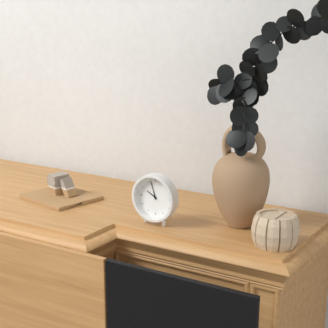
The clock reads {"hour": 9, "minute": 57}
